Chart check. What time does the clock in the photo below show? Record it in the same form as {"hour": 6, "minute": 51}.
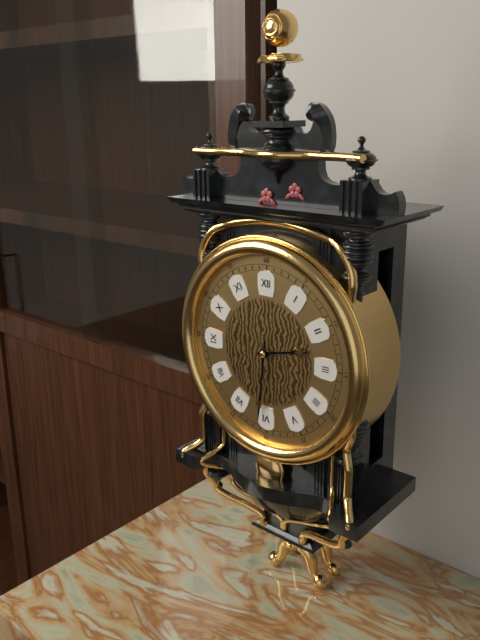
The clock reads {"hour": 2, "minute": 31}
